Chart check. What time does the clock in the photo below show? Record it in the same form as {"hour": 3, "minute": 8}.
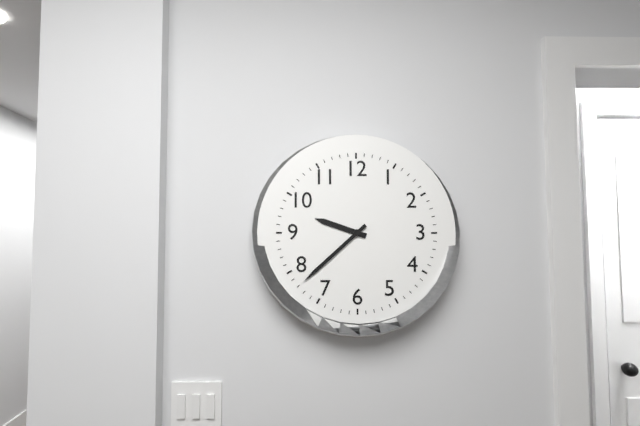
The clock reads {"hour": 9, "minute": 38}
